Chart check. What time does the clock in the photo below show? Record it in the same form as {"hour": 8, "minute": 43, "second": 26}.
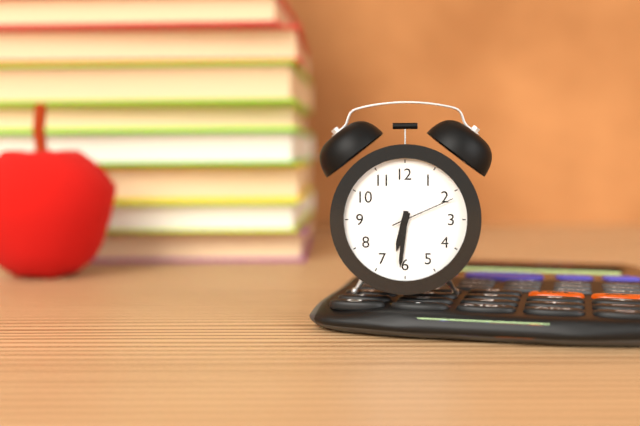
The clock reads {"hour": 6, "minute": 31, "second": 11}
